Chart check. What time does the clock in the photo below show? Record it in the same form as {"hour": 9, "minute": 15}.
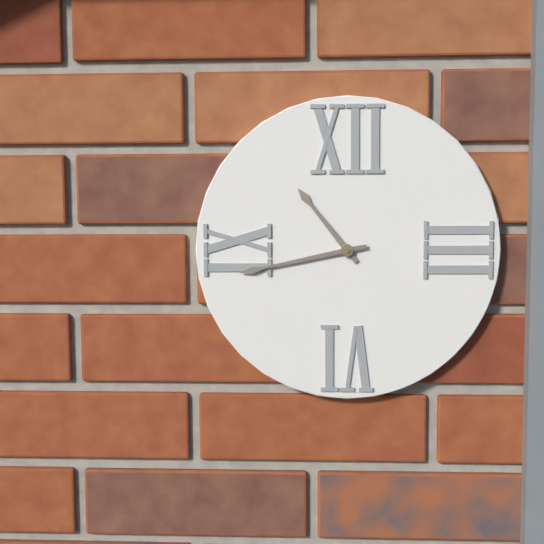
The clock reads {"hour": 10, "minute": 43}
